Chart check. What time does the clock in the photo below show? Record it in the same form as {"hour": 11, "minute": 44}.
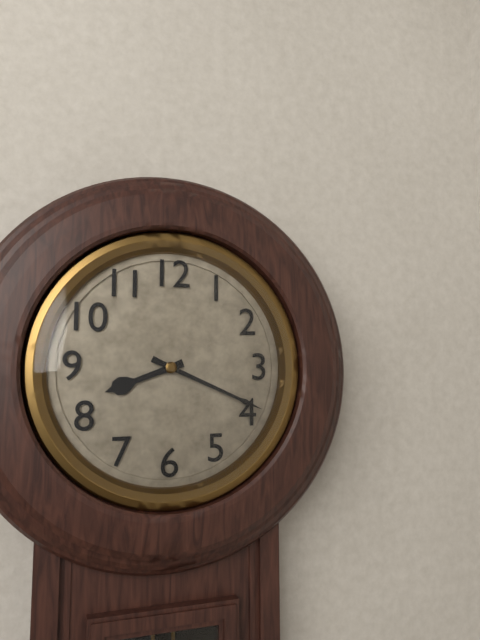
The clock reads {"hour": 8, "minute": 19}
